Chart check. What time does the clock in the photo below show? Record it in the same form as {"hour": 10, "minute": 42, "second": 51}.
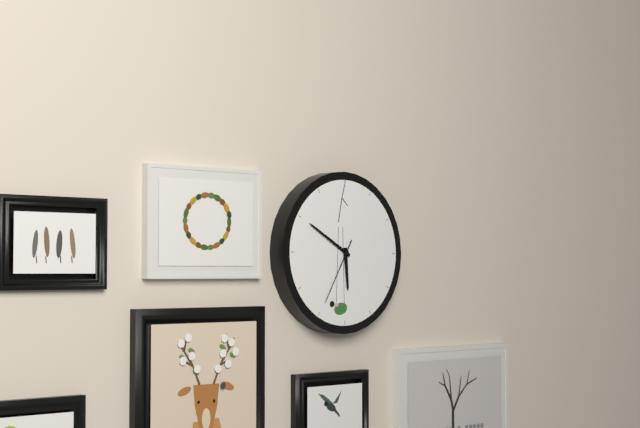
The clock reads {"hour": 5, "minute": 50, "second": 35}
